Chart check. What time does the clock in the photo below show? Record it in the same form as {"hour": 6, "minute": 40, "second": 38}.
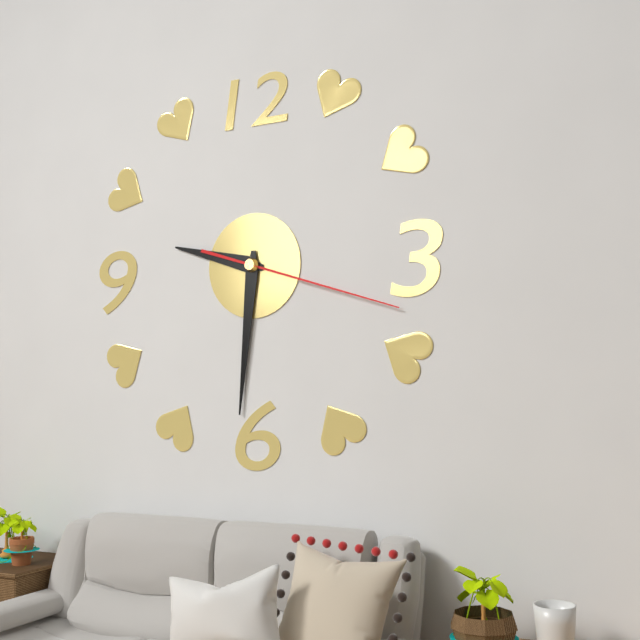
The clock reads {"hour": 9, "minute": 31, "second": 18}
